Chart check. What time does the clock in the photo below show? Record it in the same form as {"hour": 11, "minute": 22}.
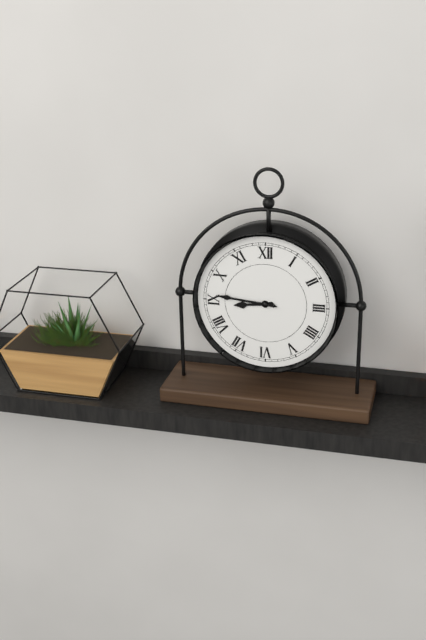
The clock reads {"hour": 8, "minute": 46}
